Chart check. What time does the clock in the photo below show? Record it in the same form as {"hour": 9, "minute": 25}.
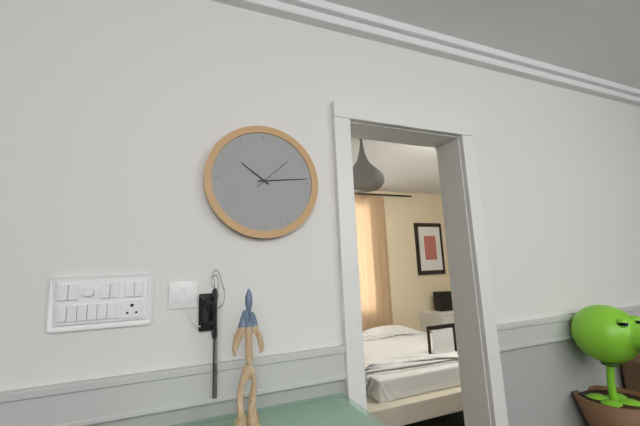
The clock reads {"hour": 10, "minute": 14}
